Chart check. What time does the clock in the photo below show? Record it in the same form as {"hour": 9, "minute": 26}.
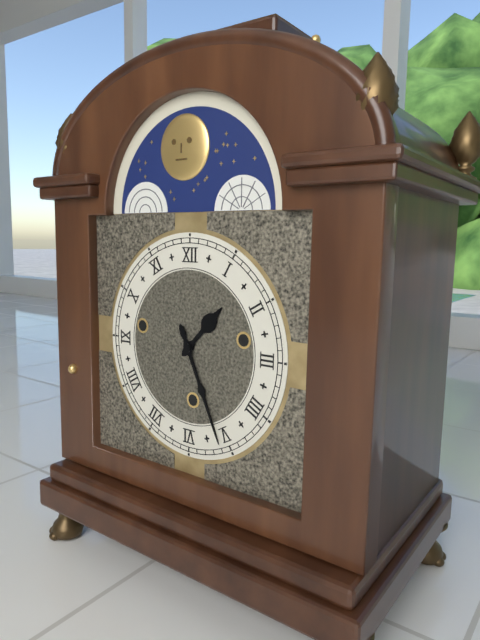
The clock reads {"hour": 1, "minute": 26}
